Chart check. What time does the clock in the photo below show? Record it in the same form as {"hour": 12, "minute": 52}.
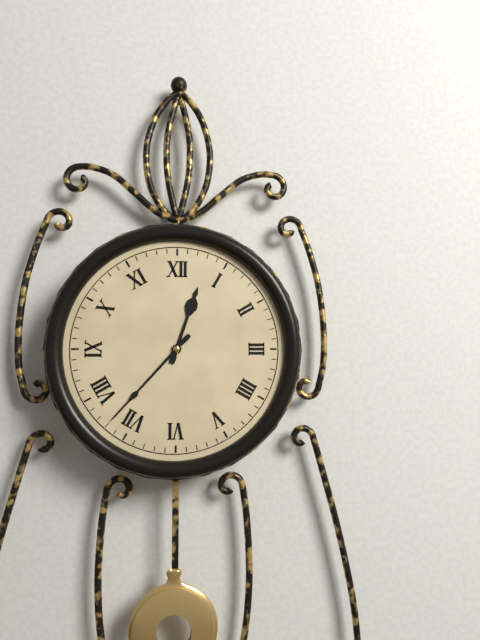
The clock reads {"hour": 12, "minute": 37}
